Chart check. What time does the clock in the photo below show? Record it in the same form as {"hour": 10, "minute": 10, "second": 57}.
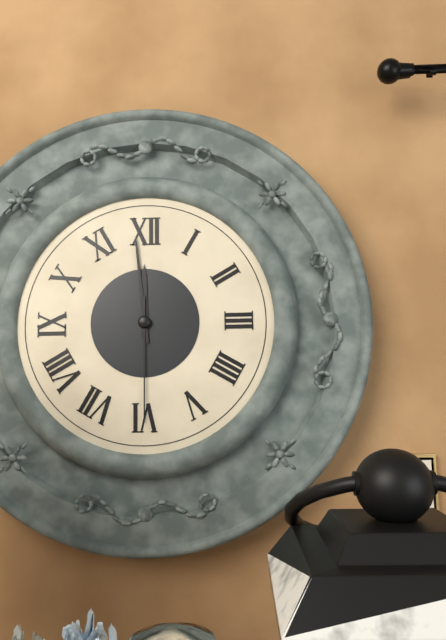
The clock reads {"hour": 11, "minute": 59, "second": 30}
